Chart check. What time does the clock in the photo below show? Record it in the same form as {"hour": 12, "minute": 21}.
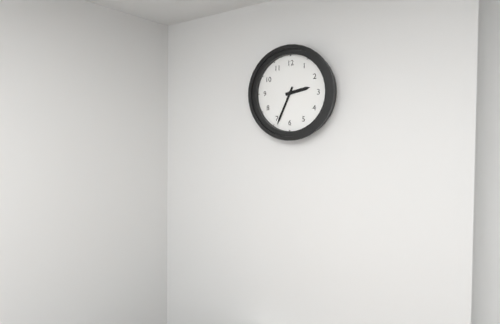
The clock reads {"hour": 2, "minute": 34}
